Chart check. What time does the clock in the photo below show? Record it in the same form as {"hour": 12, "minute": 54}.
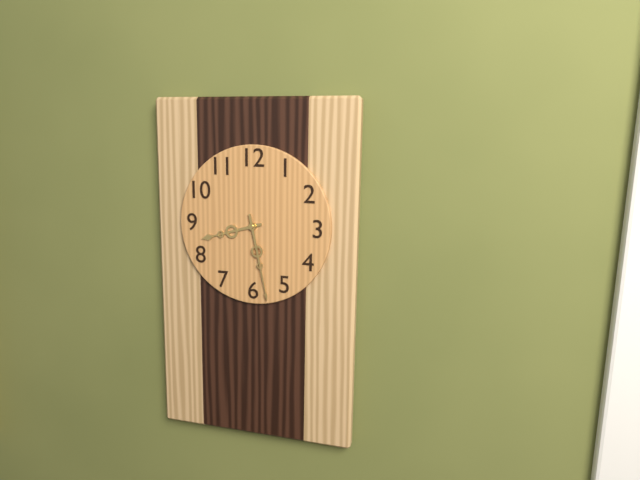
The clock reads {"hour": 8, "minute": 28}
